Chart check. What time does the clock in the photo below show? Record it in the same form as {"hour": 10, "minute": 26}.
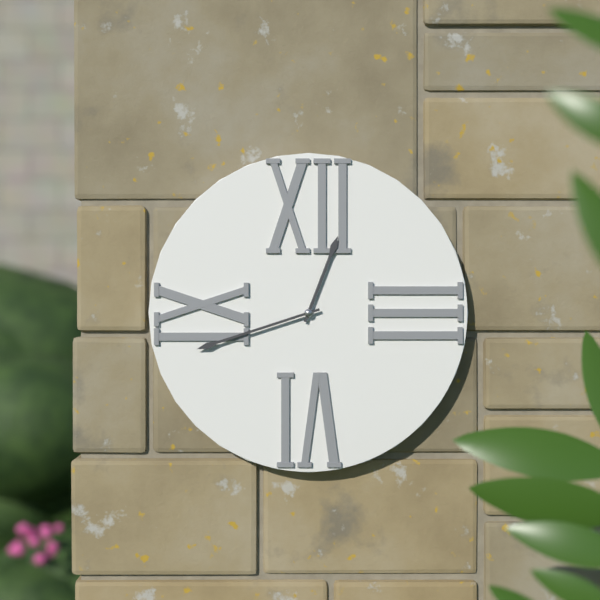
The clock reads {"hour": 12, "minute": 42}
